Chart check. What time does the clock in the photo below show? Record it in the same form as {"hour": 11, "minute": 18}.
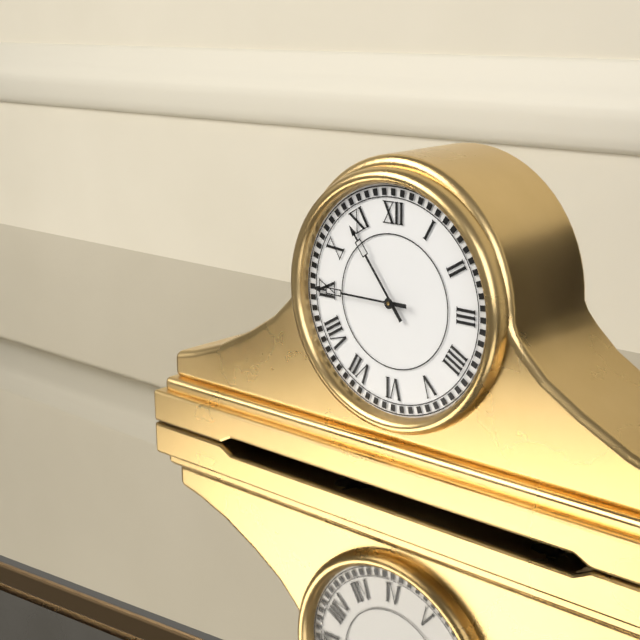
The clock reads {"hour": 10, "minute": 45}
